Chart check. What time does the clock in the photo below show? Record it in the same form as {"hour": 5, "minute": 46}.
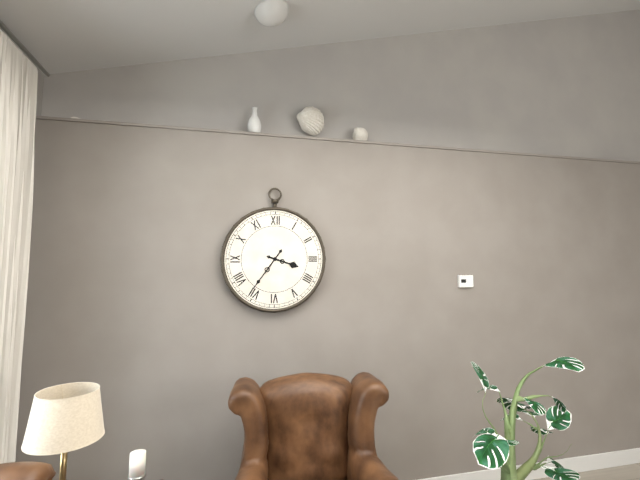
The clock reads {"hour": 3, "minute": 36}
